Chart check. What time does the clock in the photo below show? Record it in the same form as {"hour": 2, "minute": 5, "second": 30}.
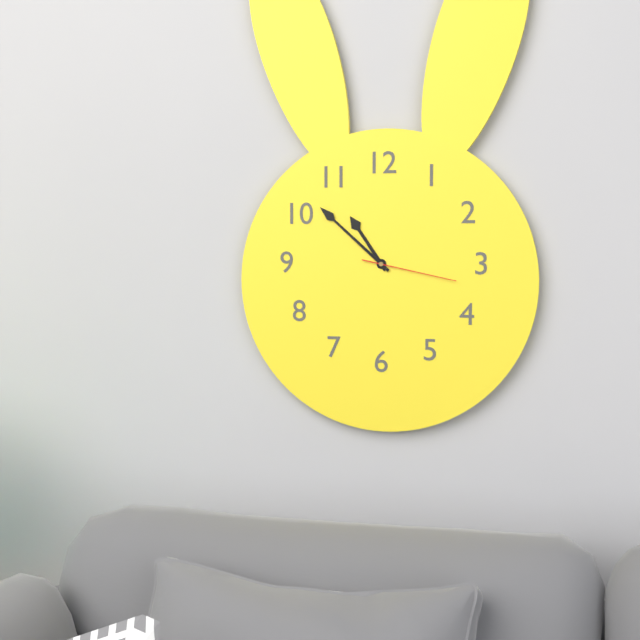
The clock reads {"hour": 10, "minute": 52, "second": 17}
